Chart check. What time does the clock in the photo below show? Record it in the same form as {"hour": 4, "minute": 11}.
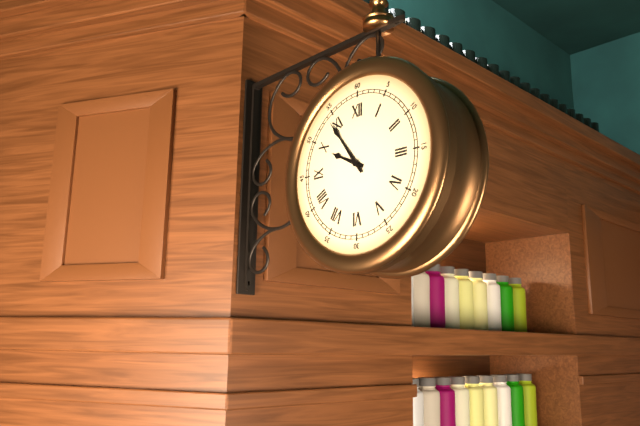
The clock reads {"hour": 9, "minute": 54}
